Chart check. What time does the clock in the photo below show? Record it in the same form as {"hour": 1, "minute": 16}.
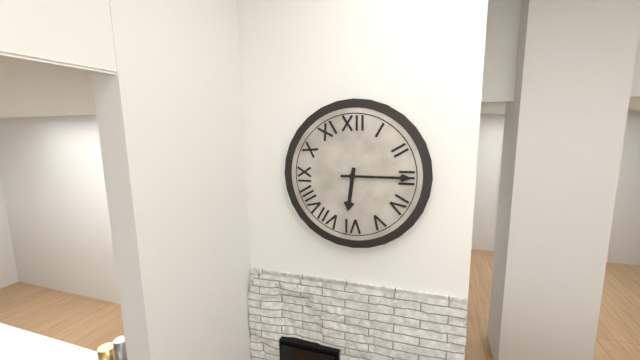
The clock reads {"hour": 6, "minute": 15}
